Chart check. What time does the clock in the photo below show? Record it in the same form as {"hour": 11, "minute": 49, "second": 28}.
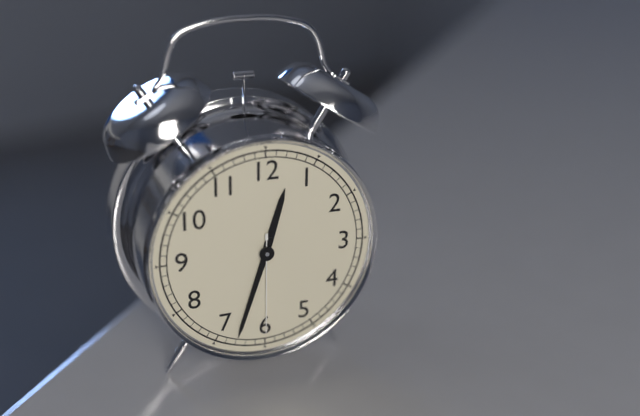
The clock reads {"hour": 12, "minute": 33, "second": 30}
